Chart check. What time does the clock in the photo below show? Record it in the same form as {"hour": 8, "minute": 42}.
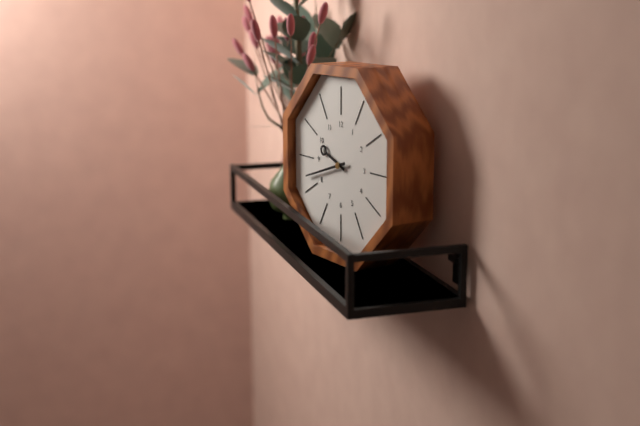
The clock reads {"hour": 9, "minute": 42}
